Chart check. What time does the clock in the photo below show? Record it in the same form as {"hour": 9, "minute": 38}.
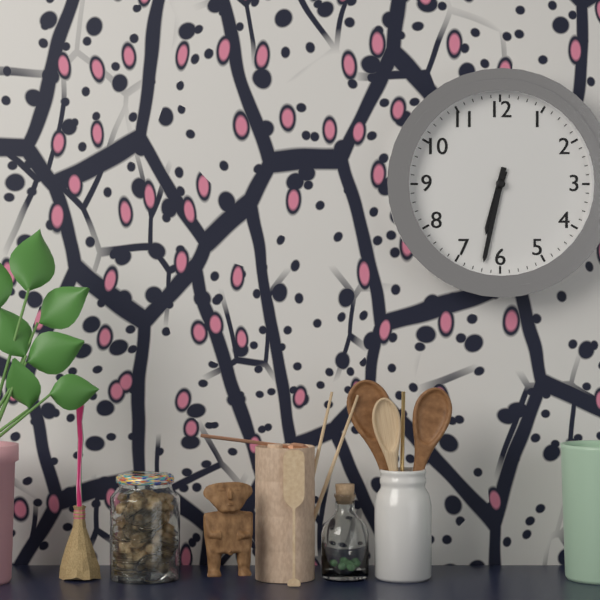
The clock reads {"hour": 6, "minute": 32}
